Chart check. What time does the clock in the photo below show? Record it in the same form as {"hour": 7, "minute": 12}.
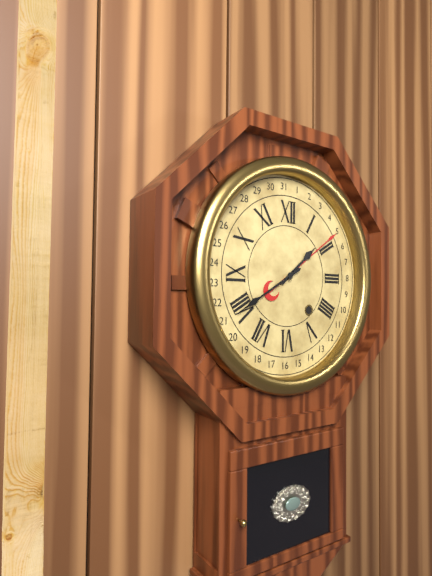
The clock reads {"hour": 1, "minute": 40}
